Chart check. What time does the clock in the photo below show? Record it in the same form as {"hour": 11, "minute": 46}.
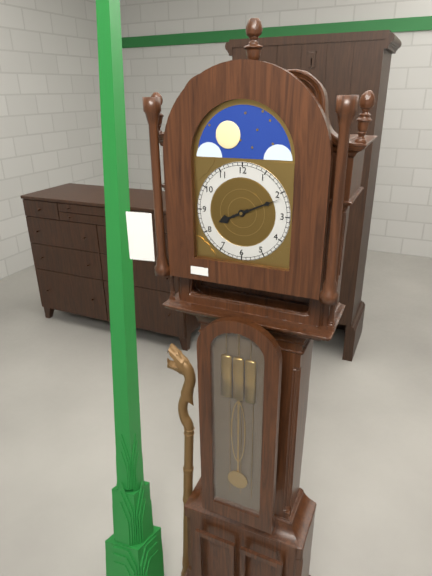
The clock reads {"hour": 8, "minute": 11}
